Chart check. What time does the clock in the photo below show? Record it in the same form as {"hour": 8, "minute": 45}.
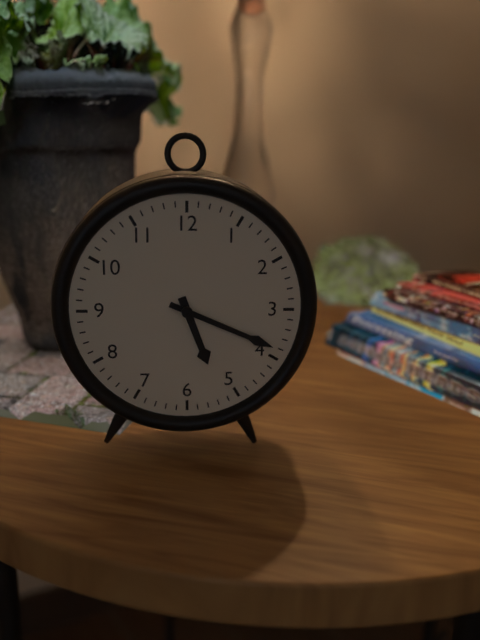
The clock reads {"hour": 5, "minute": 19}
